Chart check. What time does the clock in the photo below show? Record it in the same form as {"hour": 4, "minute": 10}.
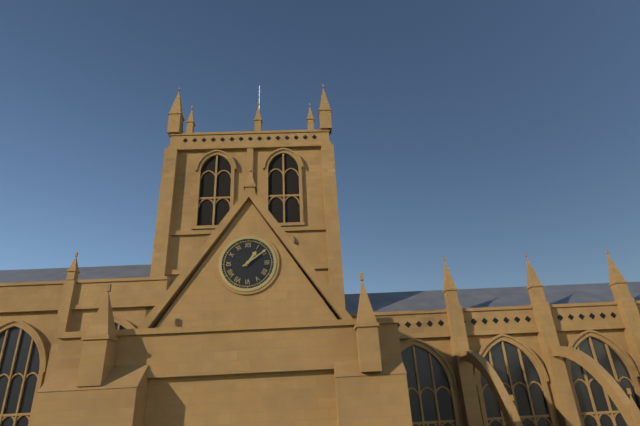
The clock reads {"hour": 1, "minute": 9}
